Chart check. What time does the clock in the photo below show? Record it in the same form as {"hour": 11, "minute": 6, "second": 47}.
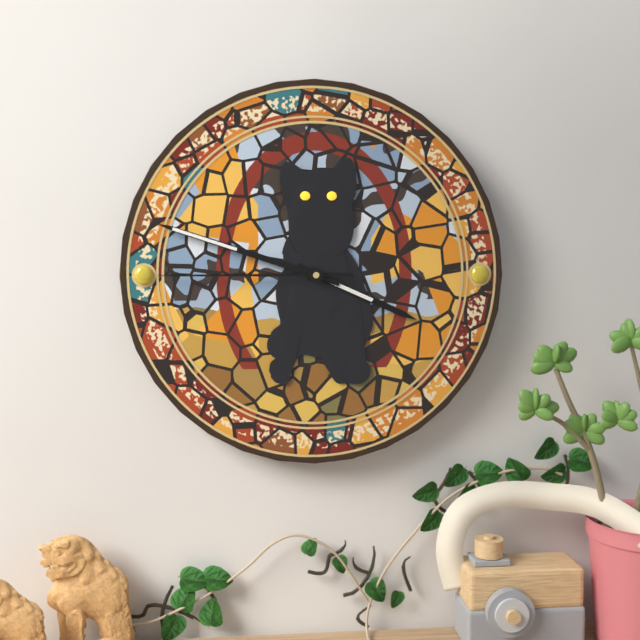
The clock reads {"hour": 3, "minute": 48, "second": 45}
